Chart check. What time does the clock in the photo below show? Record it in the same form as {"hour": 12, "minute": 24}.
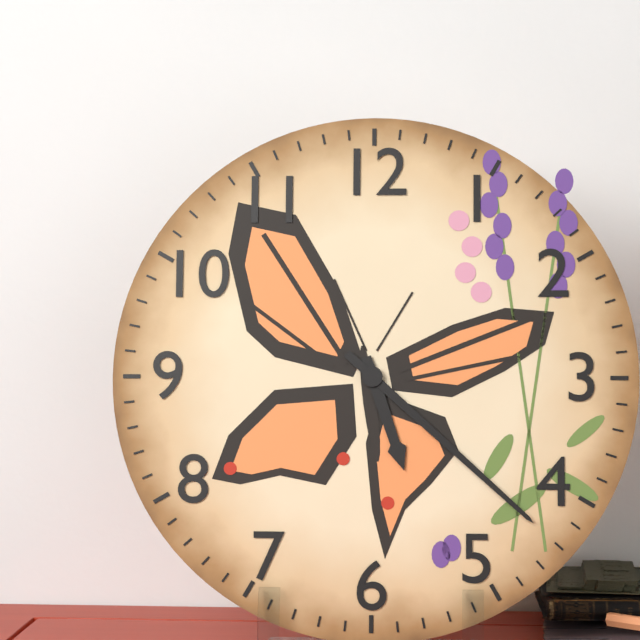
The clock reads {"hour": 5, "minute": 22}
